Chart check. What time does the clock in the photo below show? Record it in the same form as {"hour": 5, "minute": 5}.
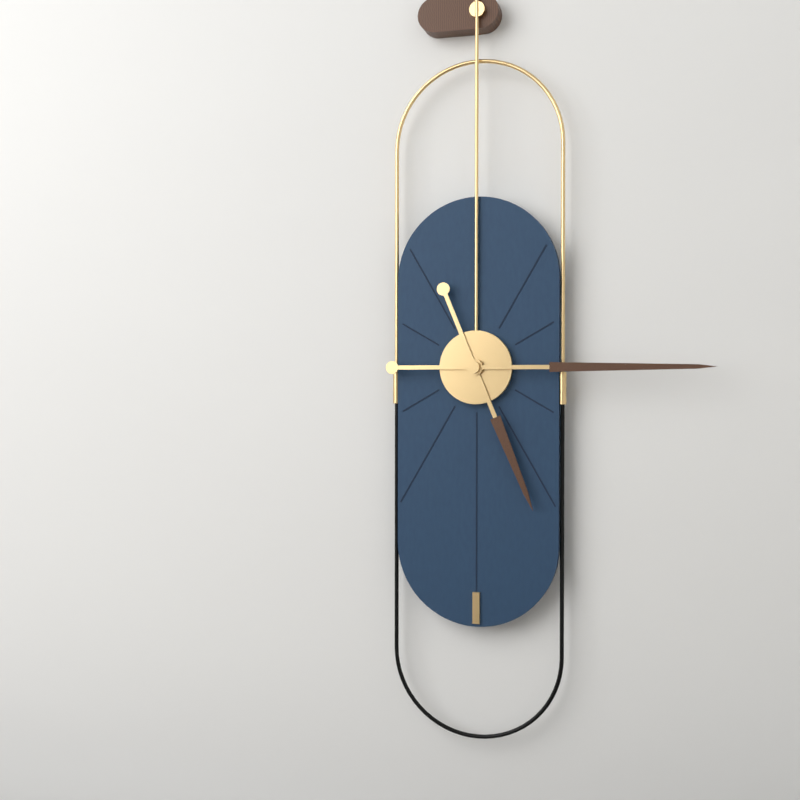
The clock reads {"hour": 5, "minute": 15}
